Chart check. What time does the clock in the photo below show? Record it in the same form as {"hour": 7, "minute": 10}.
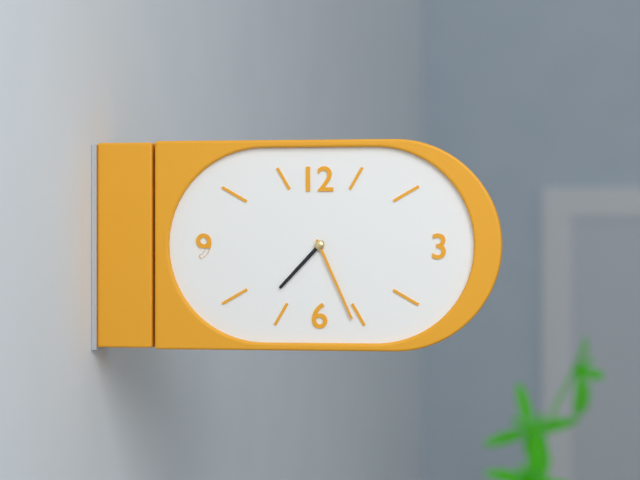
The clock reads {"hour": 7, "minute": 26}
